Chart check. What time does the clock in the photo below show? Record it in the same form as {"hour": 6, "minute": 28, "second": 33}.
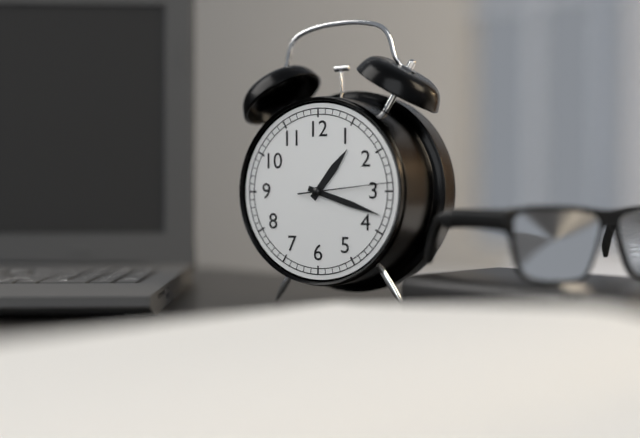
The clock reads {"hour": 1, "minute": 18, "second": 14}
